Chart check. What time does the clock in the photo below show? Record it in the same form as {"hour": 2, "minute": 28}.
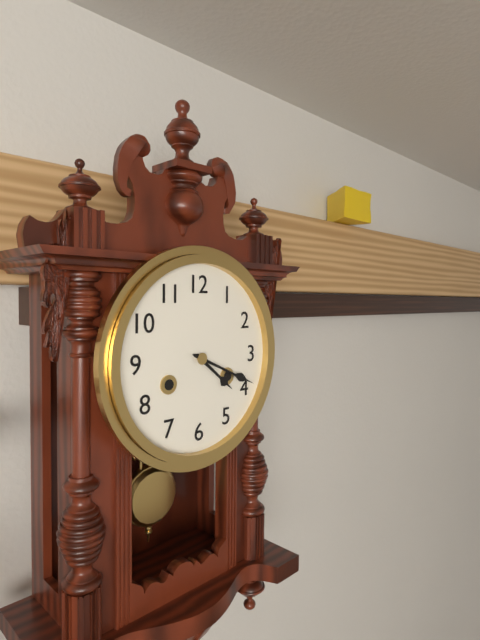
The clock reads {"hour": 4, "minute": 19}
